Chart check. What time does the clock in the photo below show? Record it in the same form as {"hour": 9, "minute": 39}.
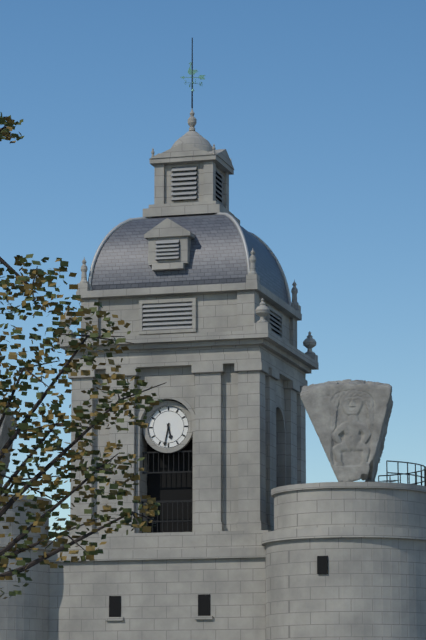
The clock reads {"hour": 5, "minute": 32}
